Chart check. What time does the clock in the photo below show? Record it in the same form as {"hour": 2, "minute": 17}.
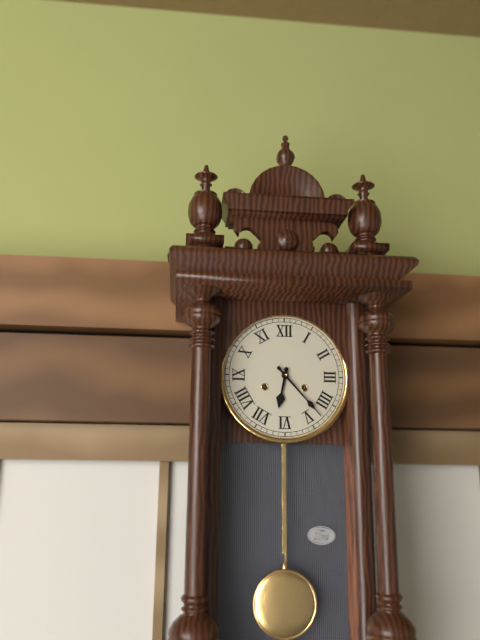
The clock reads {"hour": 6, "minute": 23}
